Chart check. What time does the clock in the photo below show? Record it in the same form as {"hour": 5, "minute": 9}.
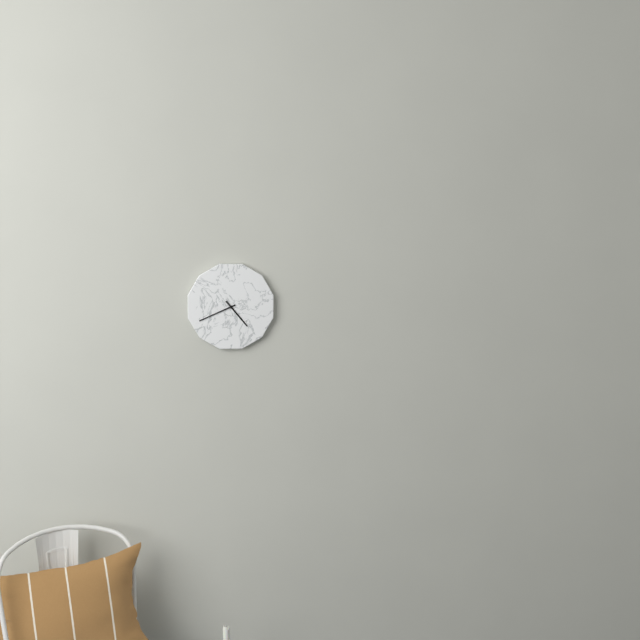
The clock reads {"hour": 4, "minute": 41}
